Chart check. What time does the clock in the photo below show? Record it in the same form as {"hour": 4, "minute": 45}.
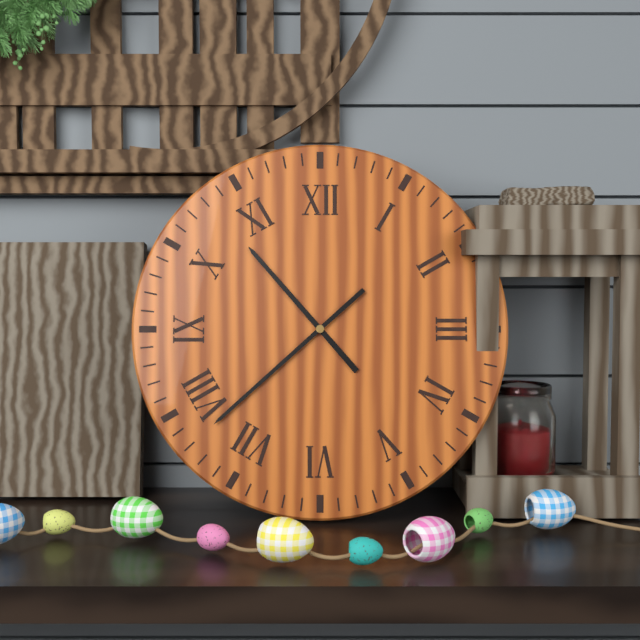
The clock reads {"hour": 10, "minute": 38}
